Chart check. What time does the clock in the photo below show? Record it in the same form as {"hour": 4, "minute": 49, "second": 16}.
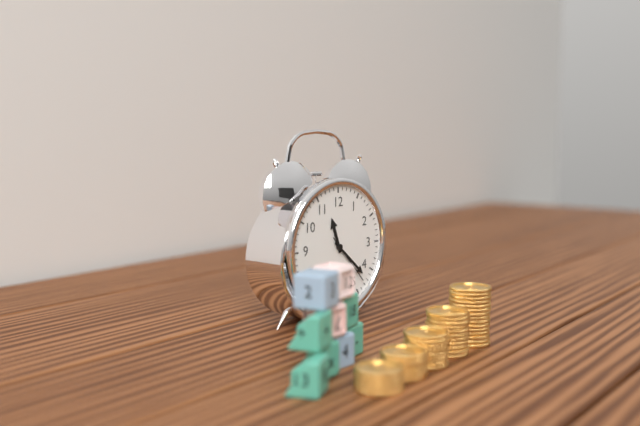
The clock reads {"hour": 11, "minute": 22, "second": 23}
